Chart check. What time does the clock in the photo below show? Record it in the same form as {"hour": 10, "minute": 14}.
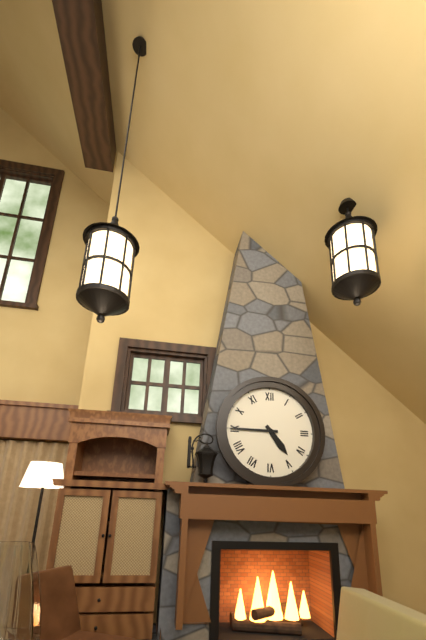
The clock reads {"hour": 4, "minute": 45}
